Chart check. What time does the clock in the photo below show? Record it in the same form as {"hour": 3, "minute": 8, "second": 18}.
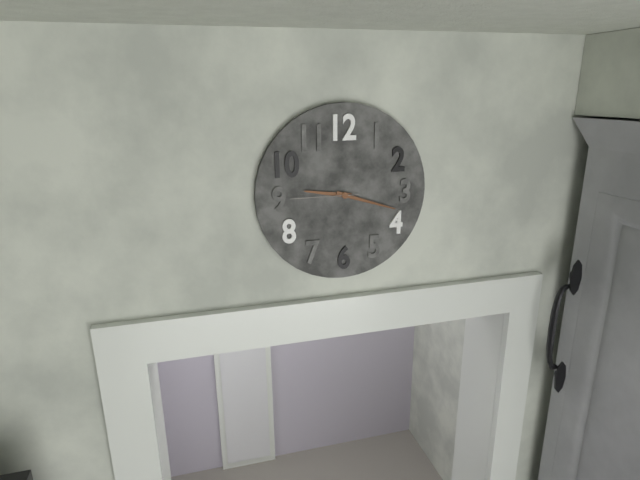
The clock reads {"hour": 9, "minute": 18, "second": 45}
